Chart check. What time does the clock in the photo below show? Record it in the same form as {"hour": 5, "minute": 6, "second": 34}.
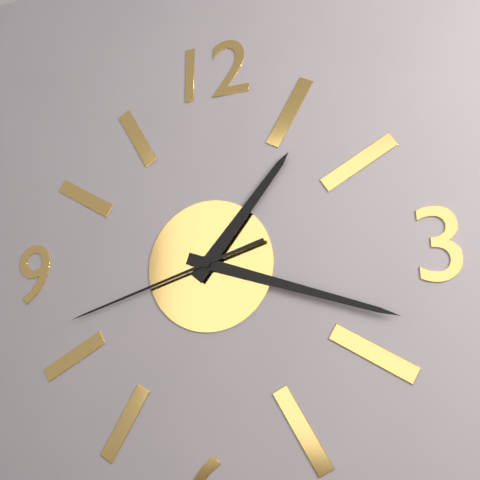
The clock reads {"hour": 1, "minute": 18, "second": 42}
